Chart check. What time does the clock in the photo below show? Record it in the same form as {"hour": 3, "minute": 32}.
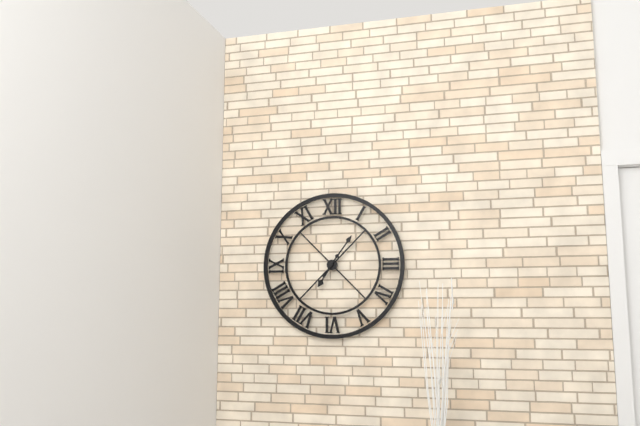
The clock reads {"hour": 7, "minute": 6}
